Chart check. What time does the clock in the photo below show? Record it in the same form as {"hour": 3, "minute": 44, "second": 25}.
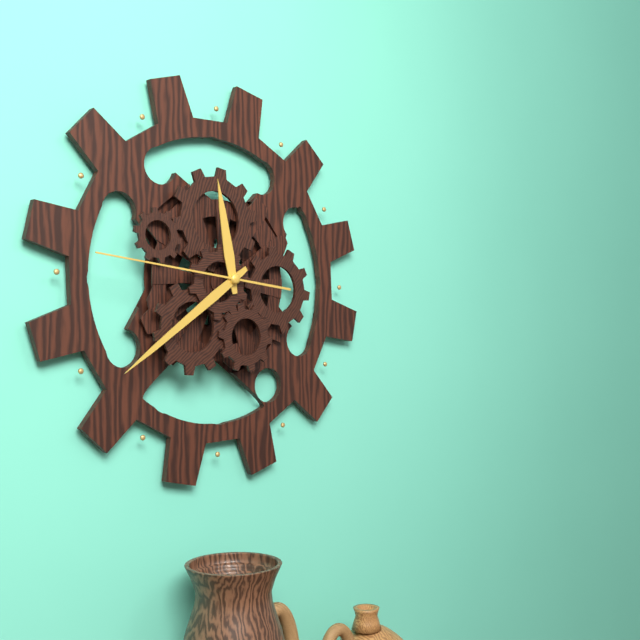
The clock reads {"hour": 11, "minute": 39, "second": 46}
